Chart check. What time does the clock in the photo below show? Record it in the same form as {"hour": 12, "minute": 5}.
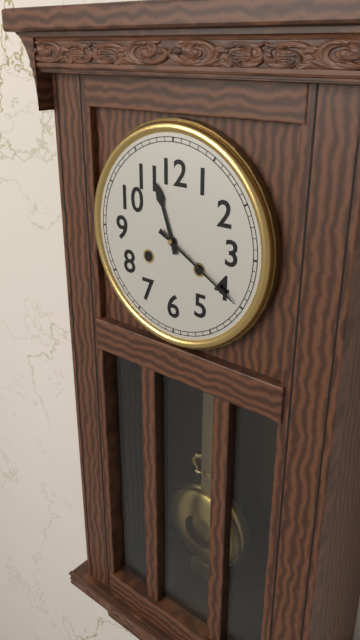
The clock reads {"hour": 11, "minute": 20}
